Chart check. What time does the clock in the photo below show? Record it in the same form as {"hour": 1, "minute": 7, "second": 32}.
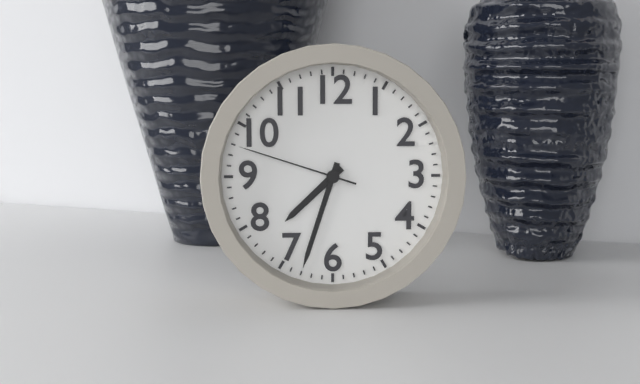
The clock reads {"hour": 7, "minute": 33, "second": 48}
